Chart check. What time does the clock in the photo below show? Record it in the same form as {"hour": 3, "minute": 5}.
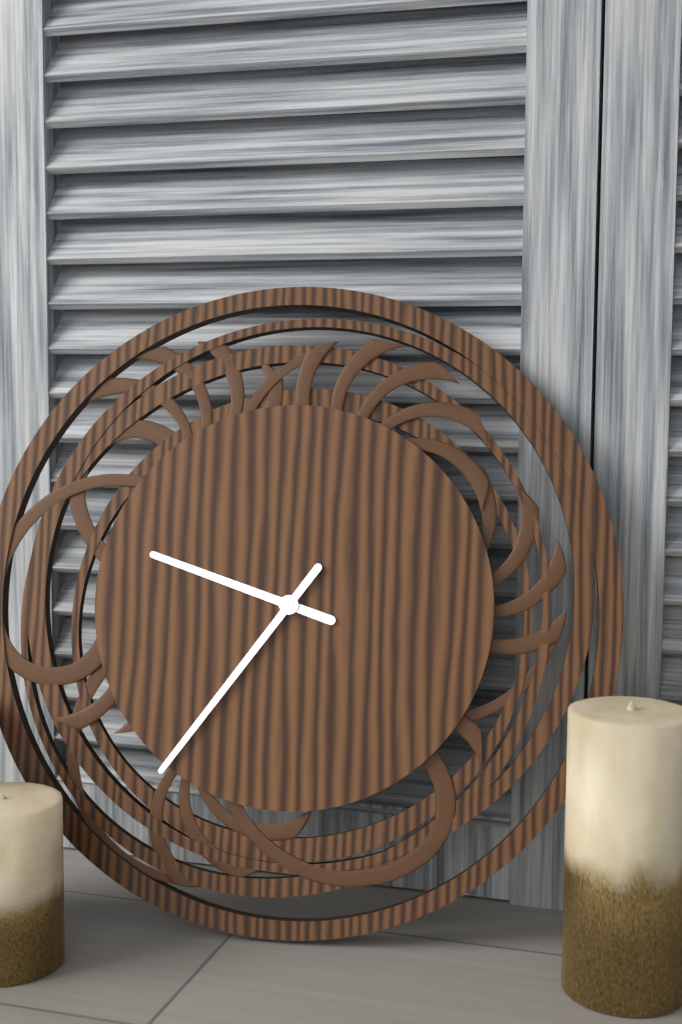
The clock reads {"hour": 9, "minute": 36}
